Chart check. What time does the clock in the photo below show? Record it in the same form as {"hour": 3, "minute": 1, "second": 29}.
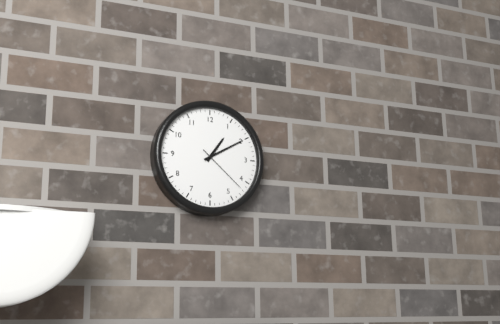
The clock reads {"hour": 1, "minute": 10, "second": 22}
